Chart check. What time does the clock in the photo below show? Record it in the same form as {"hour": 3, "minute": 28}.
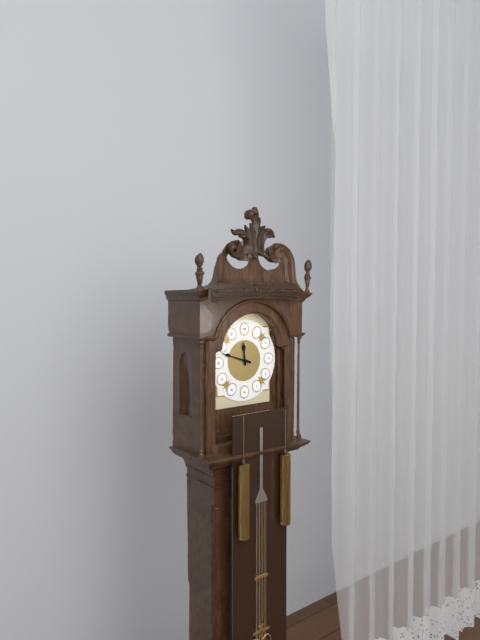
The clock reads {"hour": 11, "minute": 48}
